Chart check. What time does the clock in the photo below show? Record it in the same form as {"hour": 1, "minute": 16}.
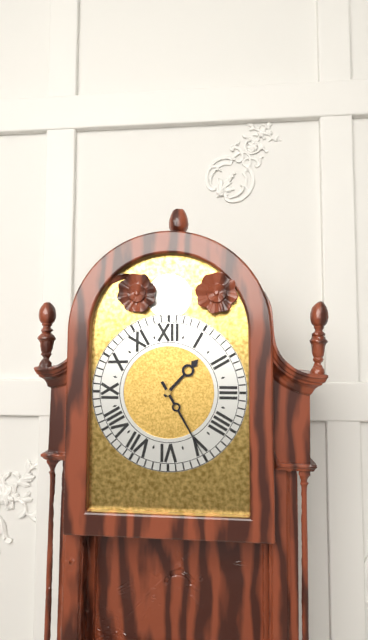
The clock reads {"hour": 1, "minute": 25}
